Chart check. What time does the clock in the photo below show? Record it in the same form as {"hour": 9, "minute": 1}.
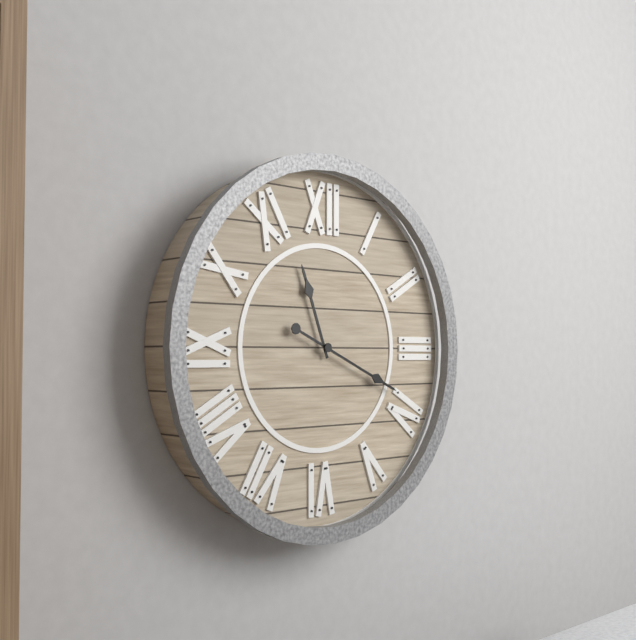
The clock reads {"hour": 11, "minute": 19}
